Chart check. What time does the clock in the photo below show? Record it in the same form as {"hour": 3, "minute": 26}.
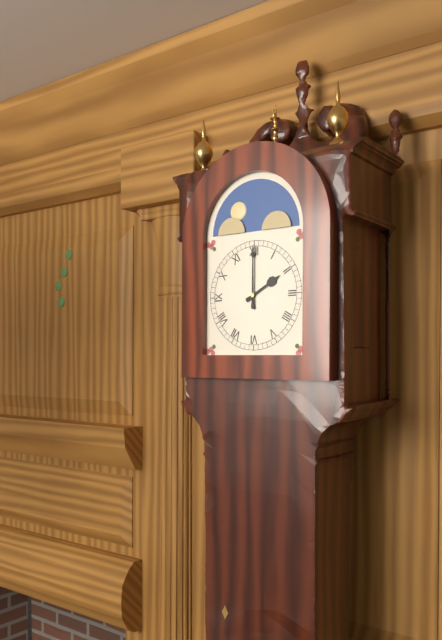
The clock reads {"hour": 2, "minute": 0}
